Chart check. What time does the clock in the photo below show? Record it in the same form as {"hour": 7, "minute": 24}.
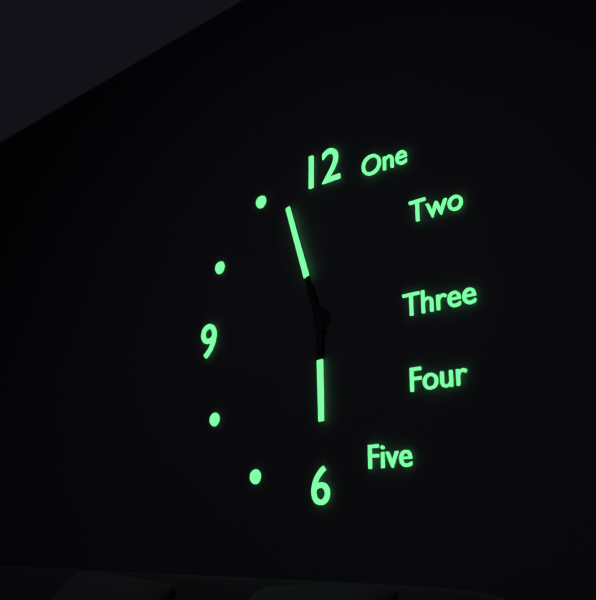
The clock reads {"hour": 5, "minute": 57}
